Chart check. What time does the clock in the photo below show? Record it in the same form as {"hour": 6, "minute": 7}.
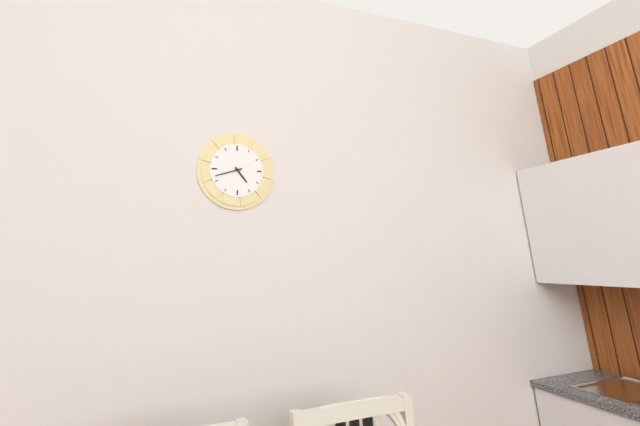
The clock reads {"hour": 4, "minute": 42}
